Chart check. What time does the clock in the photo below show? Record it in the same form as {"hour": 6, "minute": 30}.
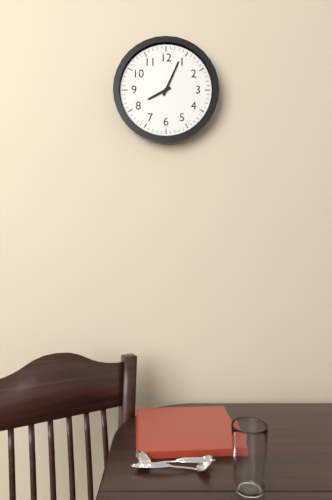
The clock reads {"hour": 8, "minute": 4}
